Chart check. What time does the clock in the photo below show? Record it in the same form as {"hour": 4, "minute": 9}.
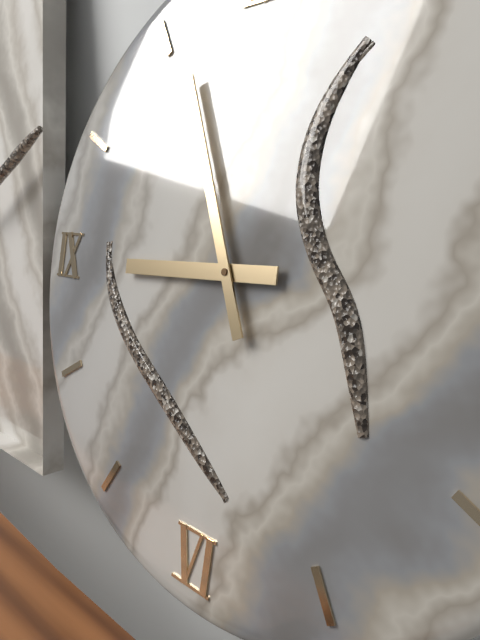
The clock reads {"hour": 8, "minute": 56}
